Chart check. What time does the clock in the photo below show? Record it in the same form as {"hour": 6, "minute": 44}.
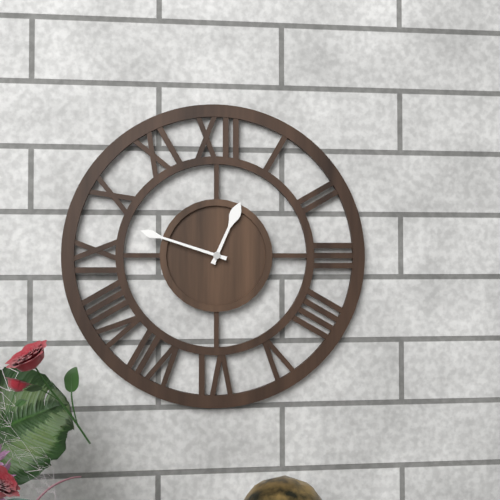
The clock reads {"hour": 12, "minute": 48}
